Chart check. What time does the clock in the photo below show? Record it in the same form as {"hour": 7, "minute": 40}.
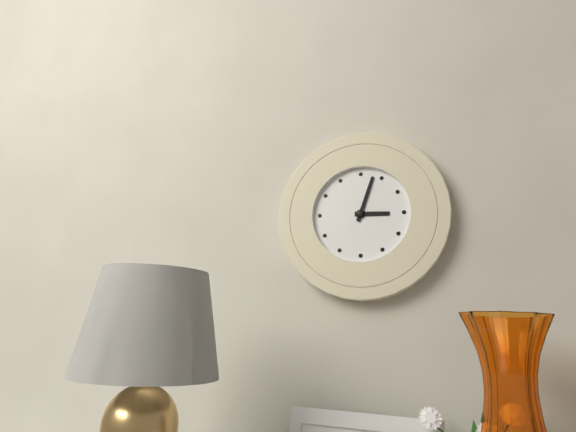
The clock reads {"hour": 3, "minute": 3}
